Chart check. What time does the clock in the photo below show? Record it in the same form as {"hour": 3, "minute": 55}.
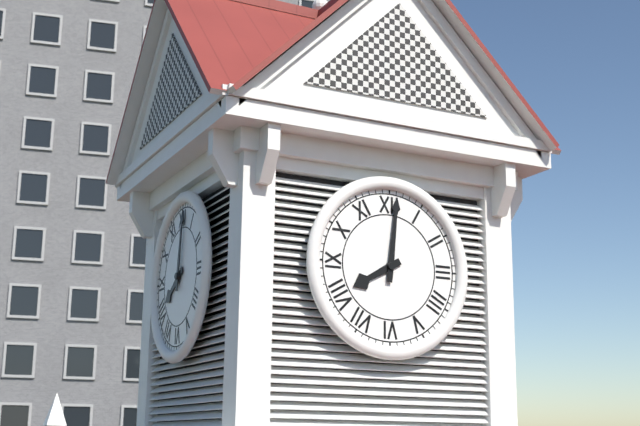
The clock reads {"hour": 8, "minute": 1}
